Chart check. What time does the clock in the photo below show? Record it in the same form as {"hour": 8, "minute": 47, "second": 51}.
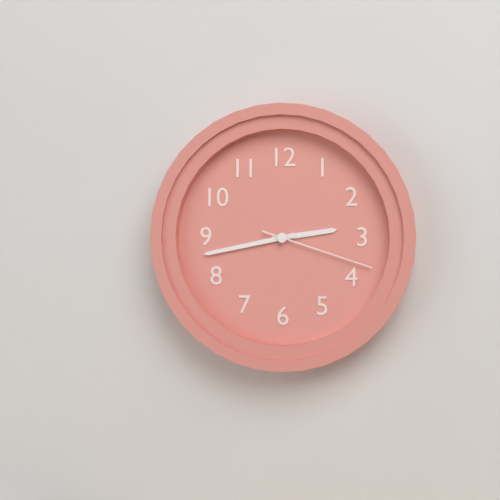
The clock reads {"hour": 2, "minute": 43, "second": 18}
